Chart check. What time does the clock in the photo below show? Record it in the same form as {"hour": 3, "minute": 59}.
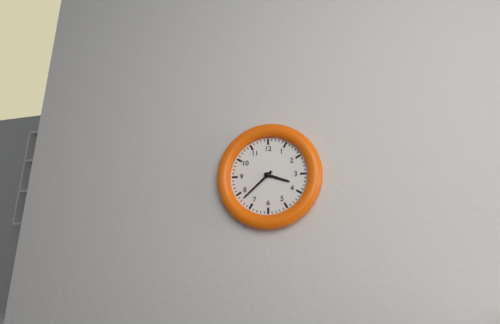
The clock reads {"hour": 3, "minute": 38}
